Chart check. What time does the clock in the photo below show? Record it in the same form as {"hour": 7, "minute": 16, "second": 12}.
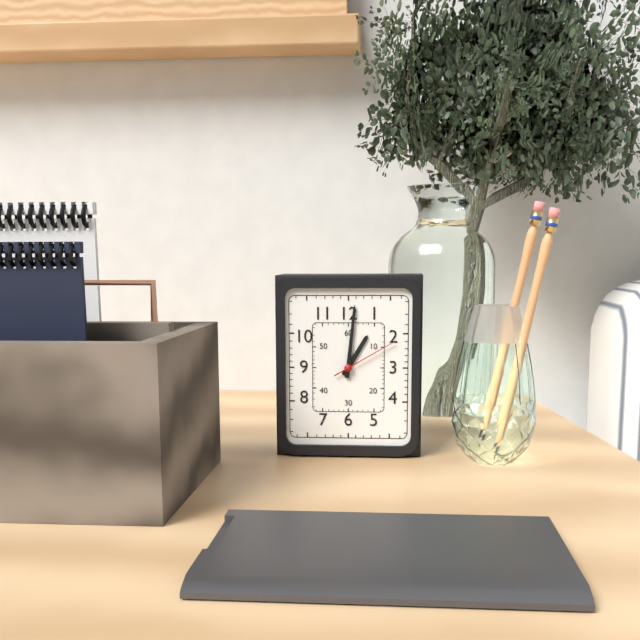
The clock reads {"hour": 1, "minute": 1, "second": 10}
